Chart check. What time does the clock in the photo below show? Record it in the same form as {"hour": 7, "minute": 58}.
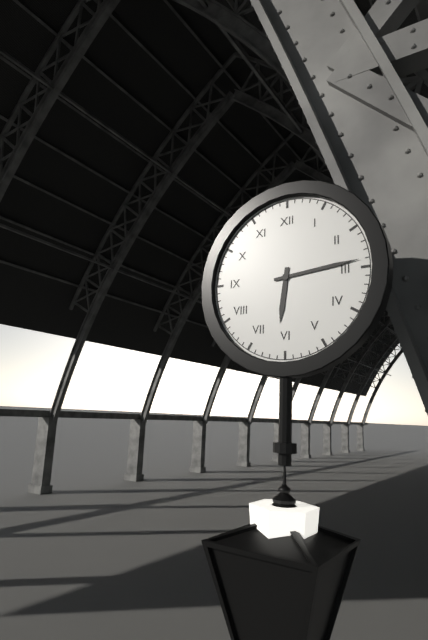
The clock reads {"hour": 6, "minute": 14}
